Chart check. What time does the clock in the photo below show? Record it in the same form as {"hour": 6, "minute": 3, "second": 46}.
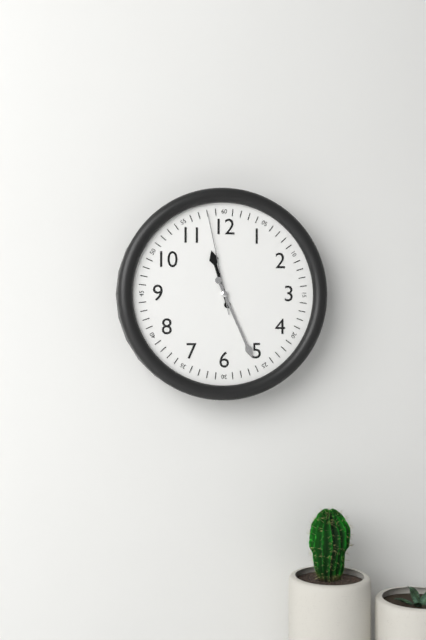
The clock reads {"hour": 11, "minute": 26, "second": 58}
